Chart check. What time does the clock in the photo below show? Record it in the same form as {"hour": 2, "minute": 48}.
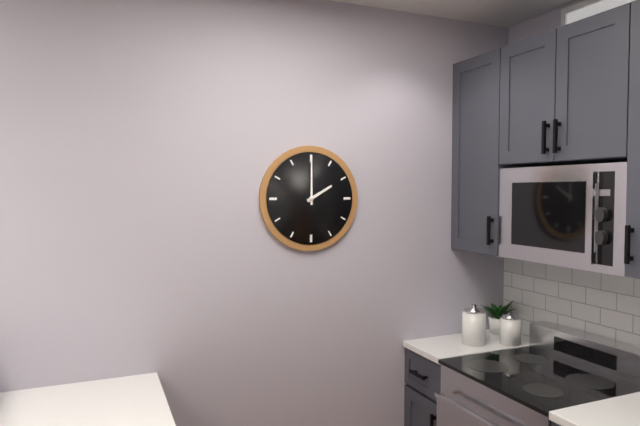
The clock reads {"hour": 2, "minute": 0}
